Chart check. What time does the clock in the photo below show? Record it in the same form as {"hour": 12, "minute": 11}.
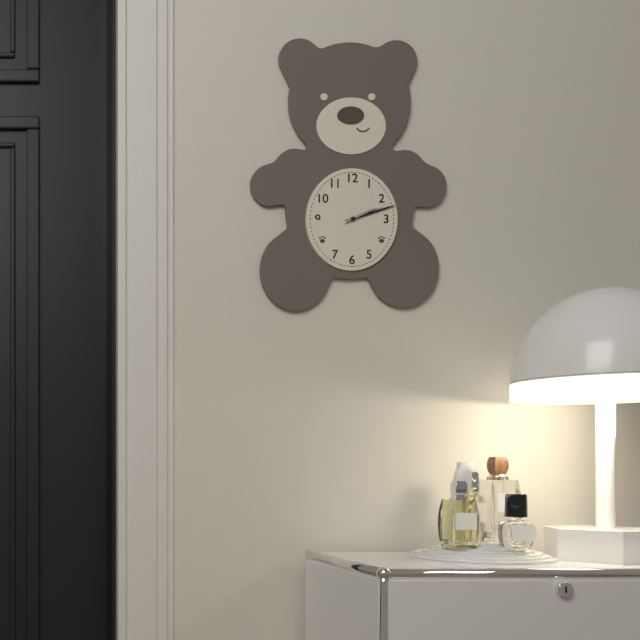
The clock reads {"hour": 2, "minute": 12}
